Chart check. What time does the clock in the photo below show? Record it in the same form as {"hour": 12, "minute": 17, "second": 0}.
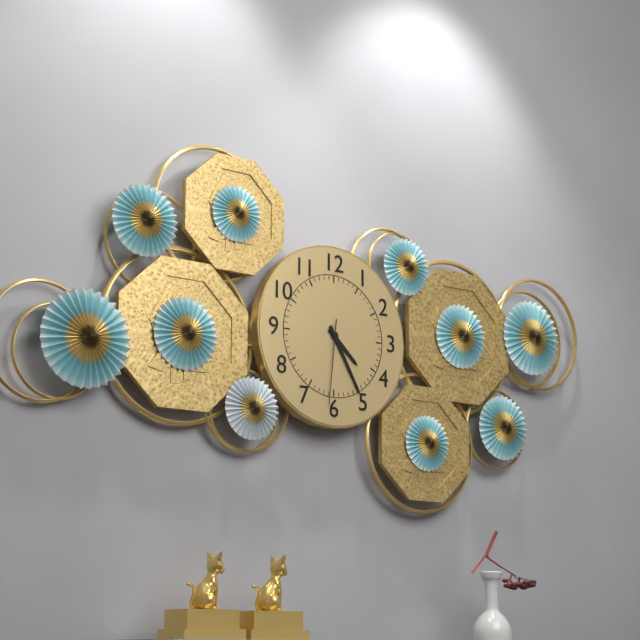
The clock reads {"hour": 4, "minute": 25, "second": 31}
